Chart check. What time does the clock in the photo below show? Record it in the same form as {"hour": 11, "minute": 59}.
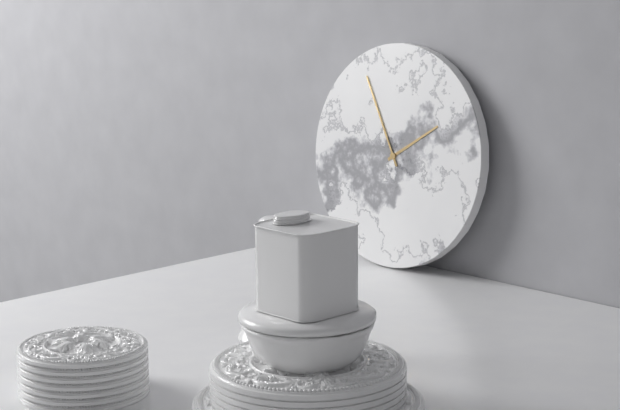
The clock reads {"hour": 1, "minute": 55}
